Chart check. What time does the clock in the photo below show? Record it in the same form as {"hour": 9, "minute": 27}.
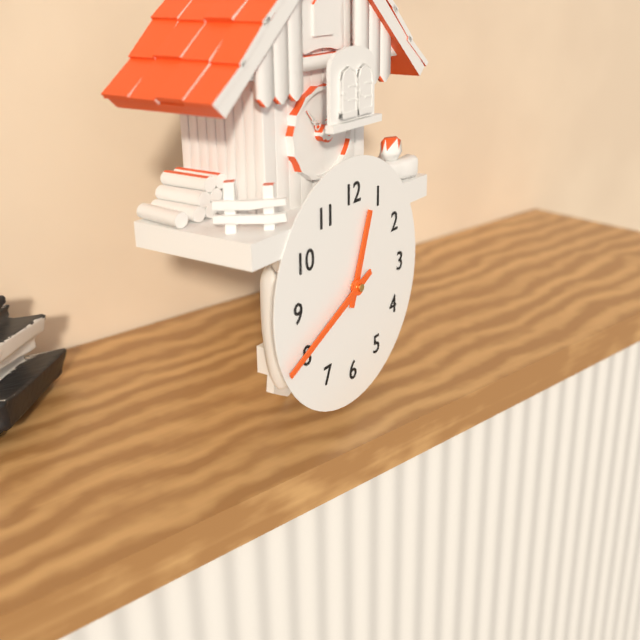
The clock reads {"hour": 12, "minute": 41}
